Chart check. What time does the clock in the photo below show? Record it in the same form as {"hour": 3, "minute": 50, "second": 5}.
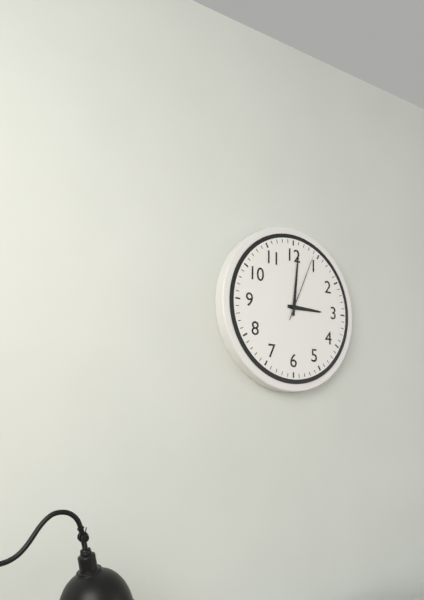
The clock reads {"hour": 3, "minute": 1, "second": 4}
